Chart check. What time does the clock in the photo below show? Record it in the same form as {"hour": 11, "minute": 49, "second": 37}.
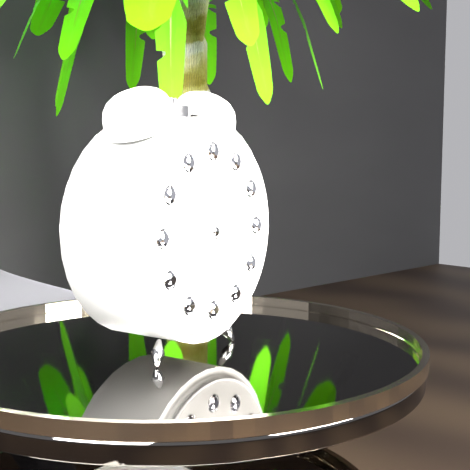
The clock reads {"hour": 7, "minute": 52, "second": 4}
